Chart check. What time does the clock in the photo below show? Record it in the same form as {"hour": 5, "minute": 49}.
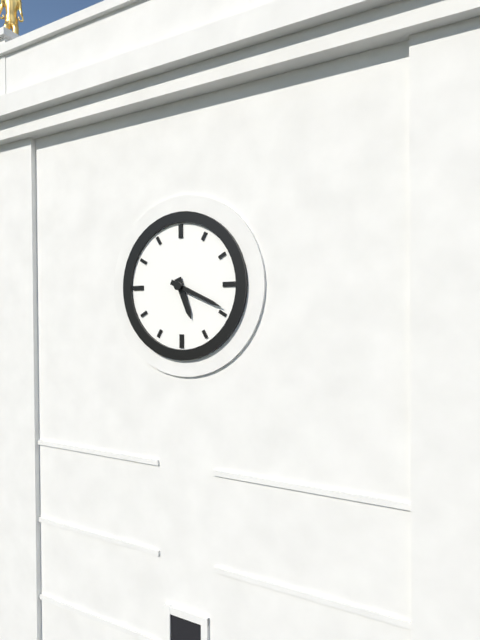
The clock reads {"hour": 5, "minute": 19}
